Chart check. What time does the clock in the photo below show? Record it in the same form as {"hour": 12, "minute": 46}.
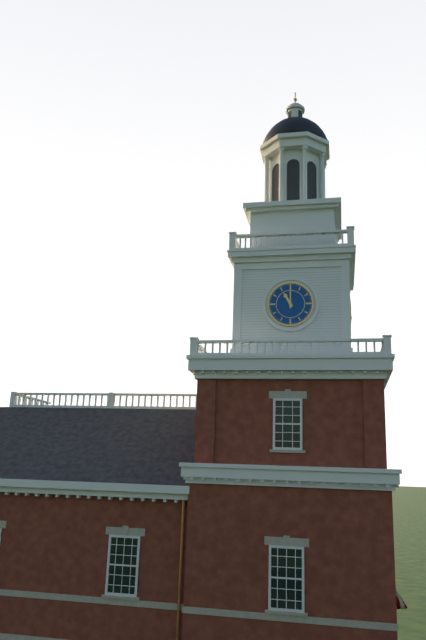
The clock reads {"hour": 11, "minute": 0}
